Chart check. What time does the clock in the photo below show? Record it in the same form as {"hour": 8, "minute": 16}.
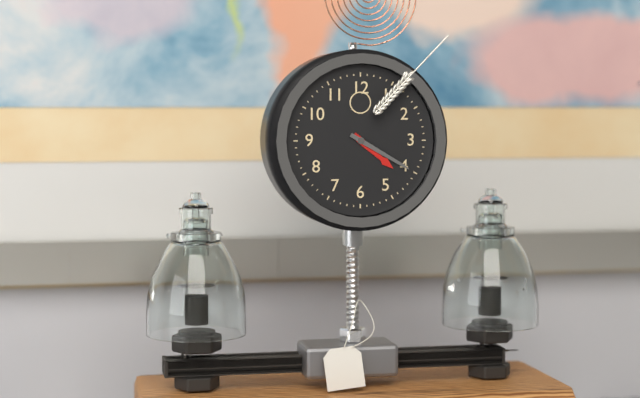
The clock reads {"hour": 4, "minute": 20}
